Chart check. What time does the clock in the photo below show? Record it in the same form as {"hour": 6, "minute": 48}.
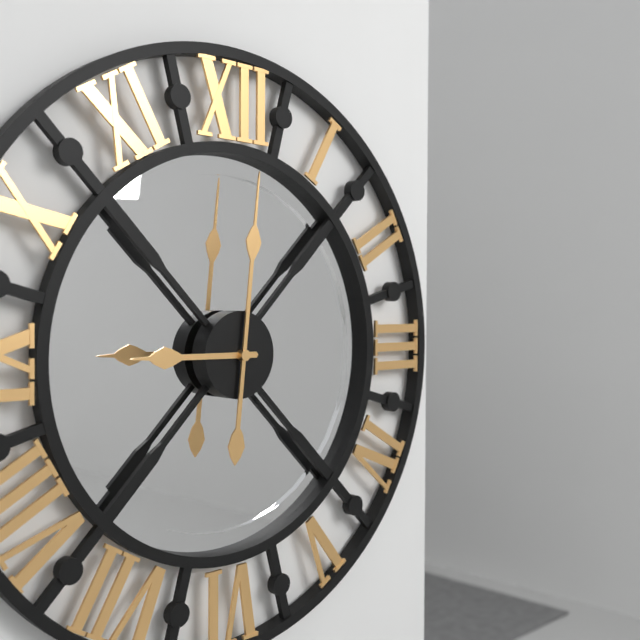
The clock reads {"hour": 9, "minute": 1}
